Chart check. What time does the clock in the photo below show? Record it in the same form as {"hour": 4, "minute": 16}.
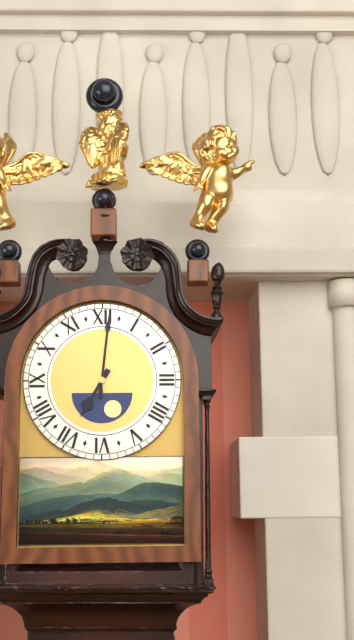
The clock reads {"hour": 7, "minute": 1}
